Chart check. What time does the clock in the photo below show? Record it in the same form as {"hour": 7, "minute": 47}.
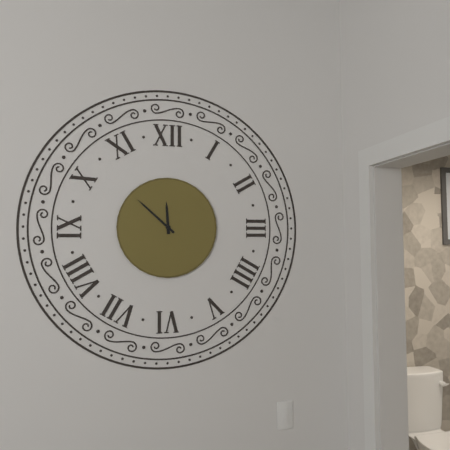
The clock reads {"hour": 11, "minute": 52}
